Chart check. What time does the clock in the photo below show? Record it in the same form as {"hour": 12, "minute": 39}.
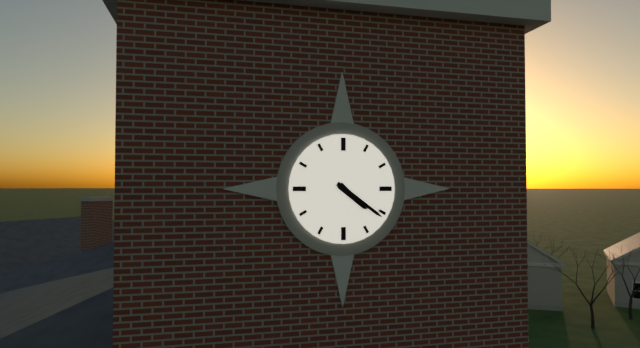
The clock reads {"hour": 4, "minute": 21}
